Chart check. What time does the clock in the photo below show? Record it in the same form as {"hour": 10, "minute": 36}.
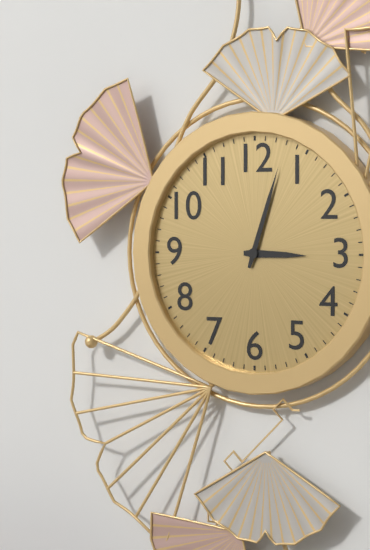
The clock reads {"hour": 3, "minute": 3}
